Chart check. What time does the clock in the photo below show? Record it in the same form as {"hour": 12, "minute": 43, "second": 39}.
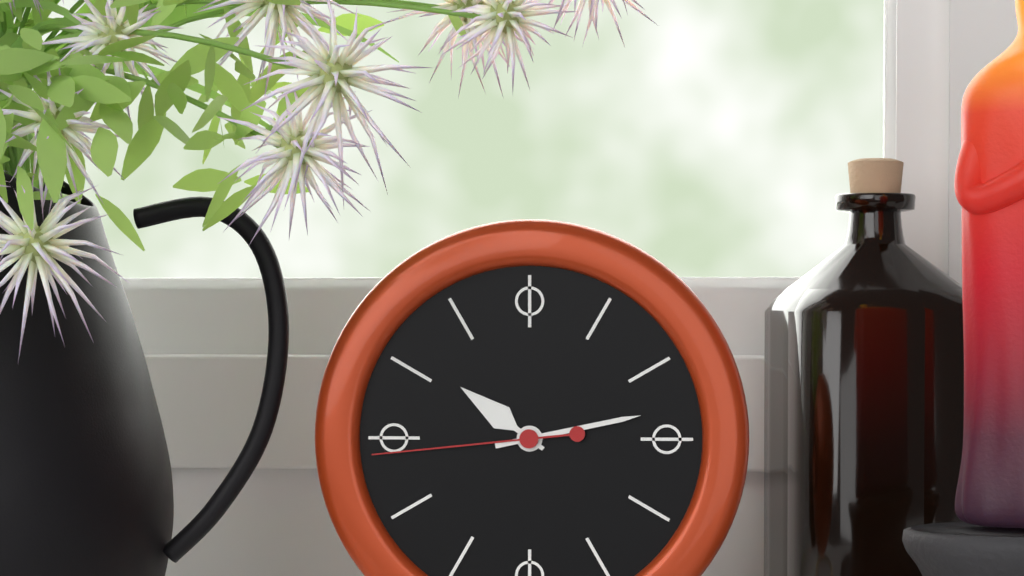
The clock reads {"hour": 10, "minute": 13, "second": 44}
